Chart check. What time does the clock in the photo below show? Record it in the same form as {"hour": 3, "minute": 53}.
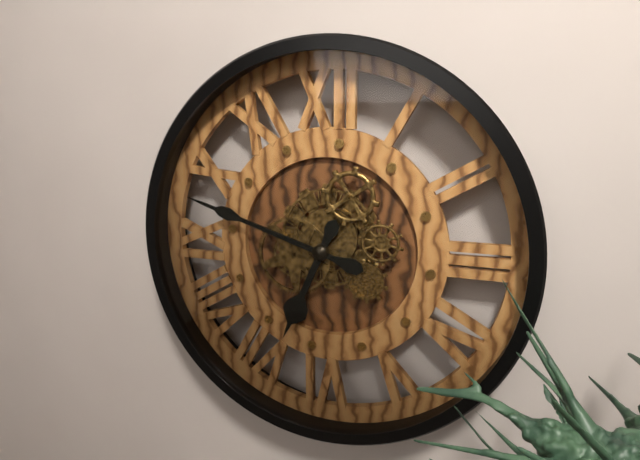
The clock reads {"hour": 6, "minute": 48}
